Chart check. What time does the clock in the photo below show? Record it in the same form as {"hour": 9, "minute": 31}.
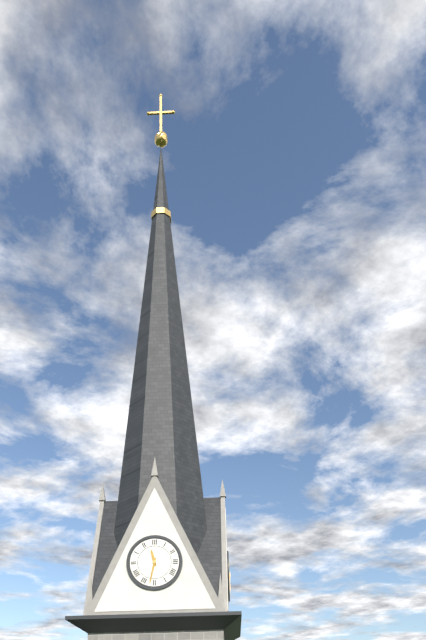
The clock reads {"hour": 11, "minute": 32}
